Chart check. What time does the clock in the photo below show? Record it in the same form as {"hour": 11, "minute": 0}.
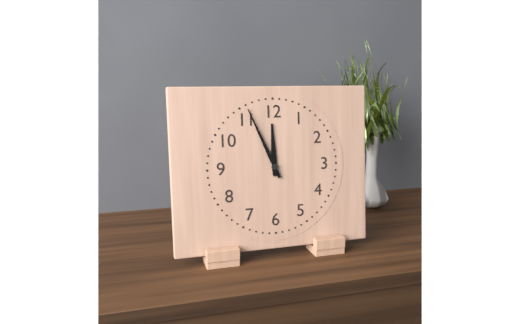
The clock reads {"hour": 11, "minute": 56}
